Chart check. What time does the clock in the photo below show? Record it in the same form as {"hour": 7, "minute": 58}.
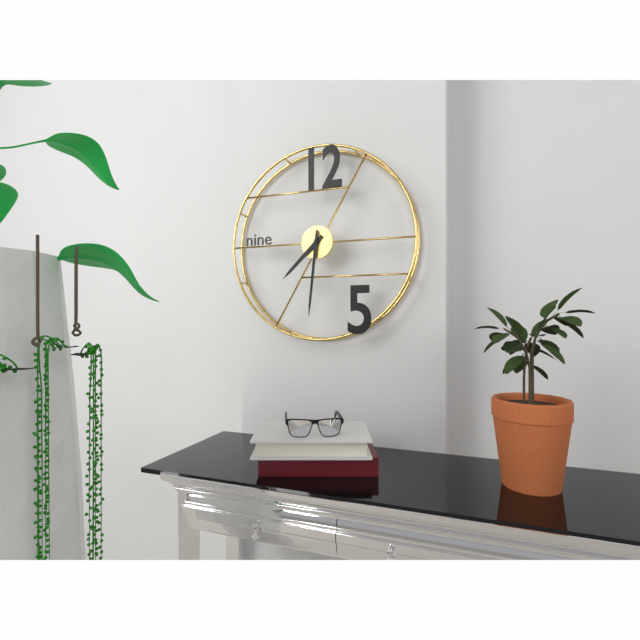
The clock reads {"hour": 7, "minute": 31}
